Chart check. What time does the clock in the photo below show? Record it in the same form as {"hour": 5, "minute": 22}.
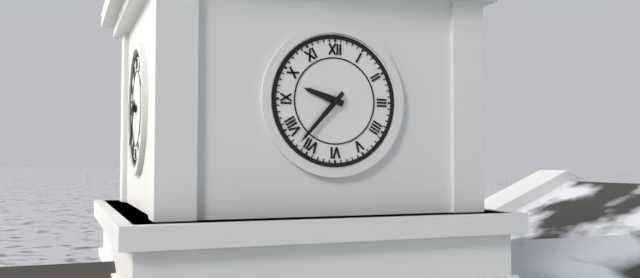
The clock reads {"hour": 9, "minute": 37}
